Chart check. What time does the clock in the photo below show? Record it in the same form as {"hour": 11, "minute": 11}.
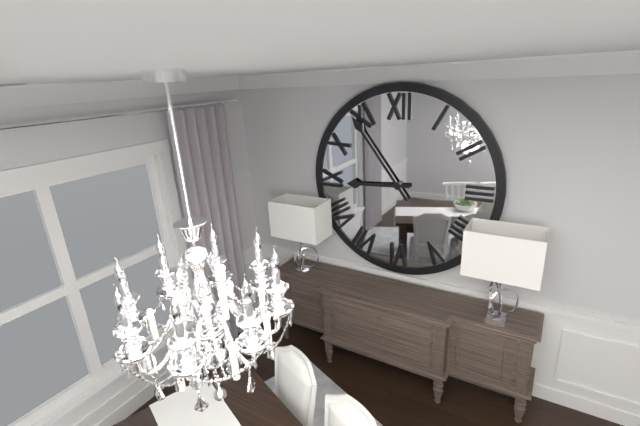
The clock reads {"hour": 8, "minute": 54}
